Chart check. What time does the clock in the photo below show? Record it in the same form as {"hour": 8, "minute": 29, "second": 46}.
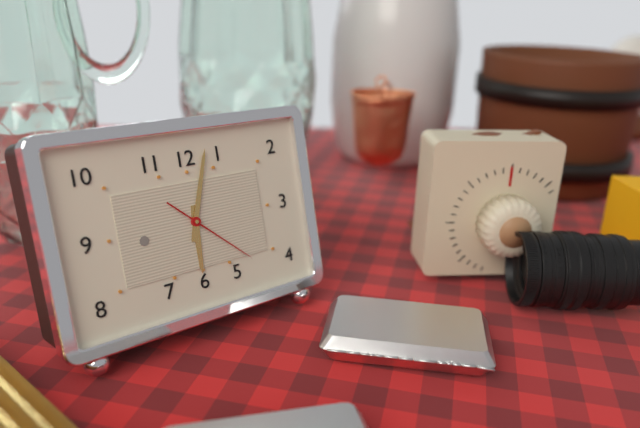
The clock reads {"hour": 6, "minute": 3, "second": 22}
